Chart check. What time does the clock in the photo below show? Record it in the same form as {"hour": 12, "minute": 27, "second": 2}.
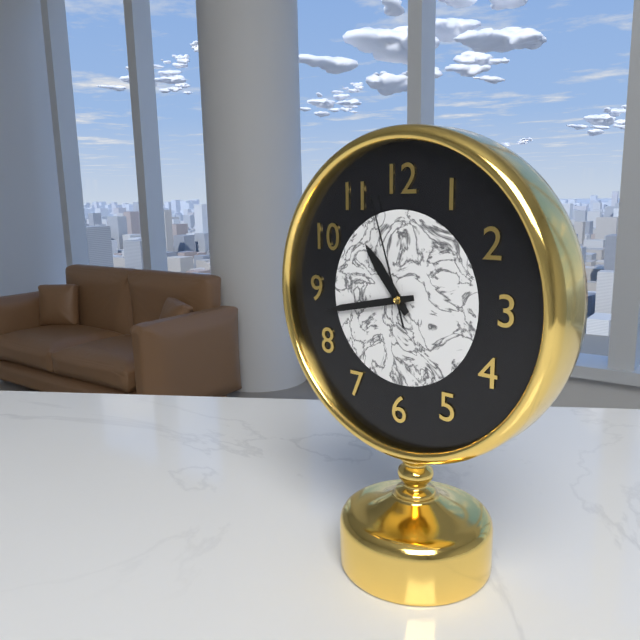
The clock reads {"hour": 10, "minute": 43, "second": 57}
